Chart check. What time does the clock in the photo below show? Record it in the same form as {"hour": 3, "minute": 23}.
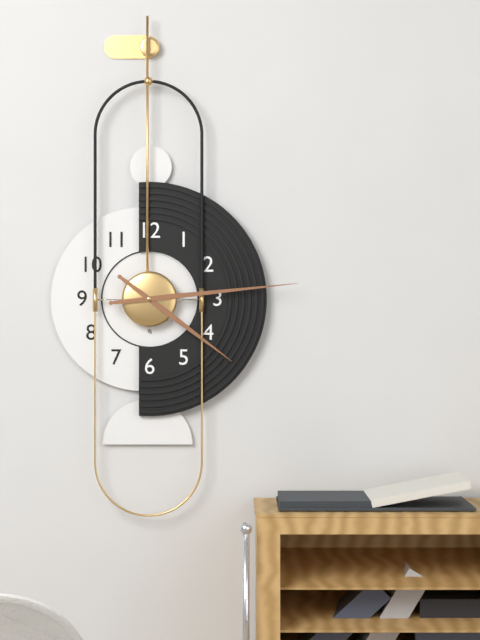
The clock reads {"hour": 4, "minute": 14}
